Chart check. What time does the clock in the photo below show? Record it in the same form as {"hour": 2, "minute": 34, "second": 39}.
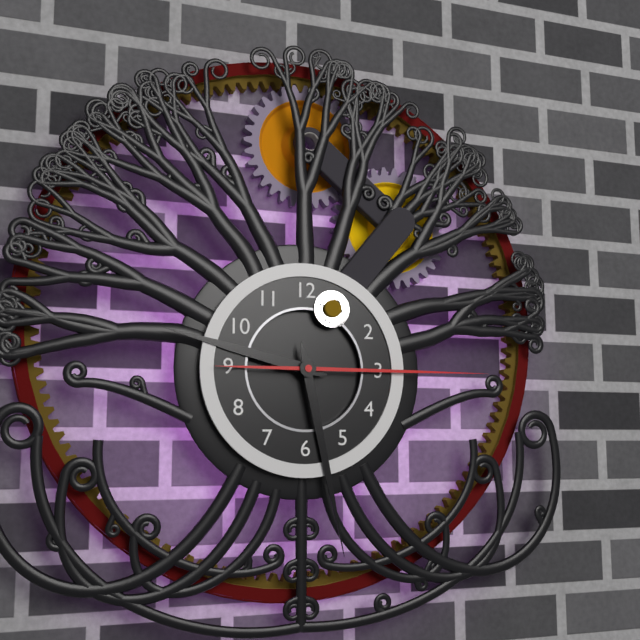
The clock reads {"hour": 9, "minute": 28, "second": 15}
